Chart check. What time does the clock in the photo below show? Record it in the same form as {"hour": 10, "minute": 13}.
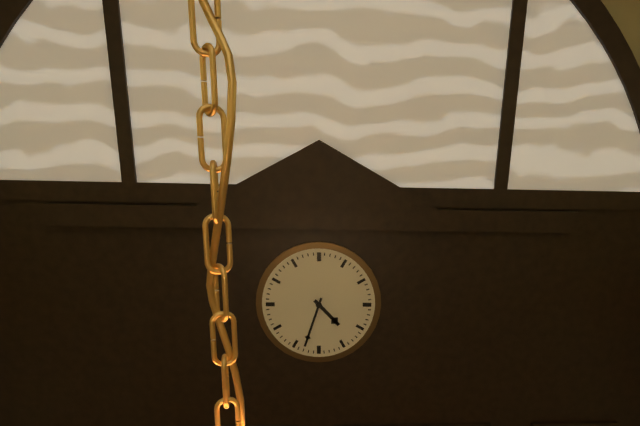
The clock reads {"hour": 4, "minute": 33}
